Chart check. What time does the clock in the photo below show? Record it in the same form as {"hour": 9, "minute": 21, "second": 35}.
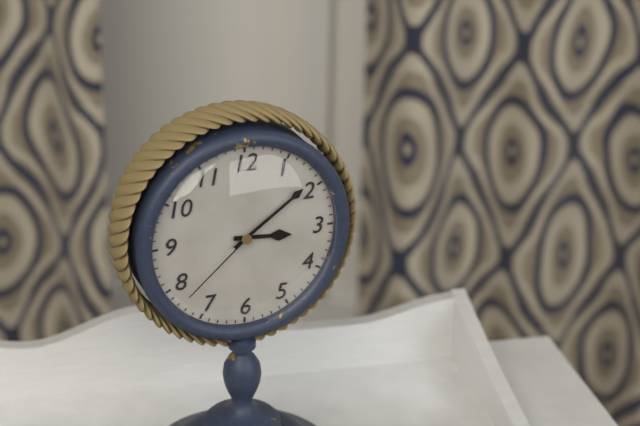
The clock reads {"hour": 3, "minute": 9, "second": 38}
